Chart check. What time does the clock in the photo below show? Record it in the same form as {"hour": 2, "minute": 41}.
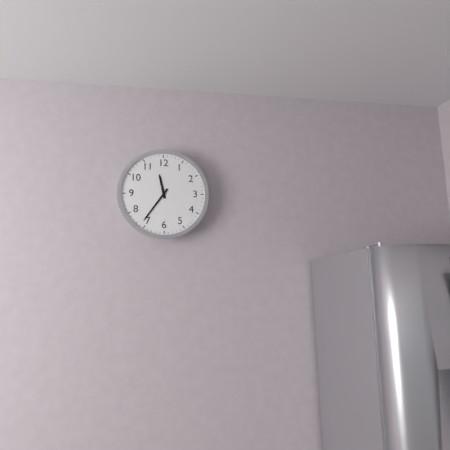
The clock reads {"hour": 11, "minute": 36}
